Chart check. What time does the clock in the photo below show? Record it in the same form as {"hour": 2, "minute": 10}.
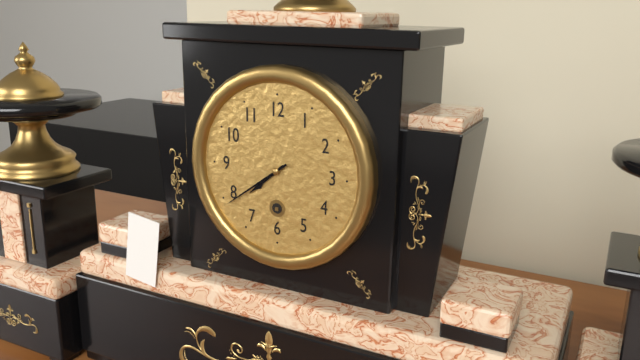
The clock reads {"hour": 7, "minute": 39}
